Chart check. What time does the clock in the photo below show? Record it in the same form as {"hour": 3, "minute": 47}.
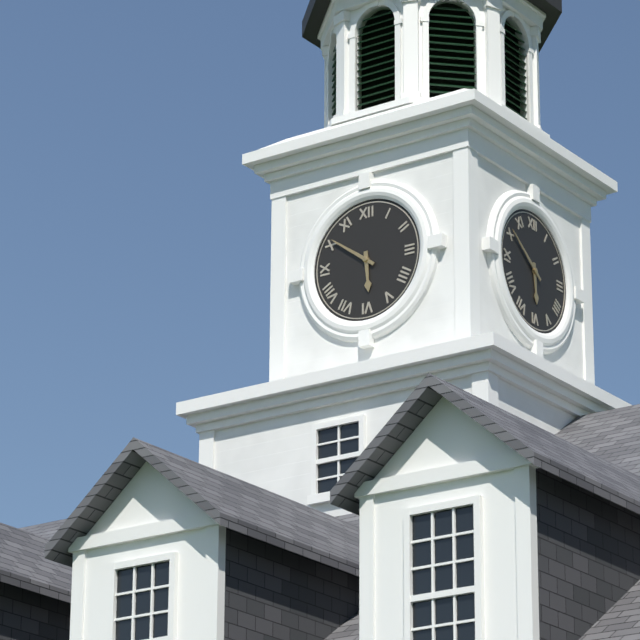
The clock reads {"hour": 5, "minute": 51}
